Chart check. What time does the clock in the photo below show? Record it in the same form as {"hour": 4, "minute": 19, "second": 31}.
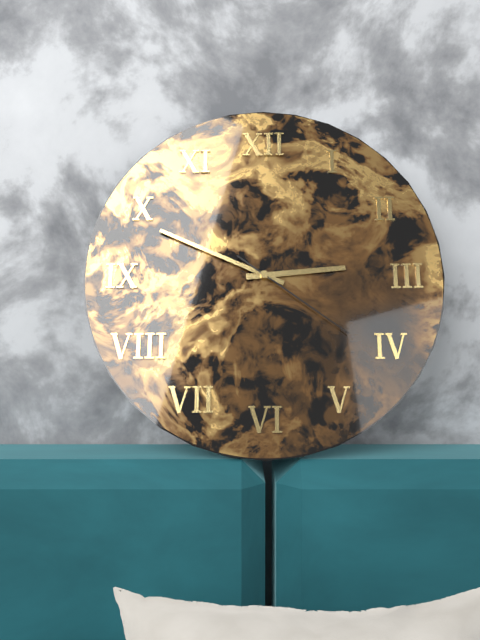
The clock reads {"hour": 2, "minute": 49, "second": 21}
